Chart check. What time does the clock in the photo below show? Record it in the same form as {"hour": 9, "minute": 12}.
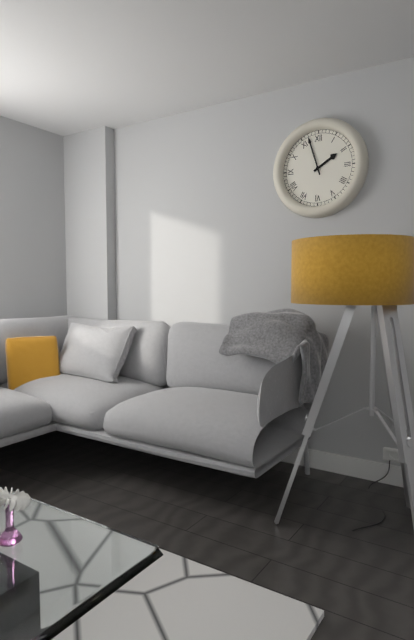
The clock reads {"hour": 1, "minute": 57}
